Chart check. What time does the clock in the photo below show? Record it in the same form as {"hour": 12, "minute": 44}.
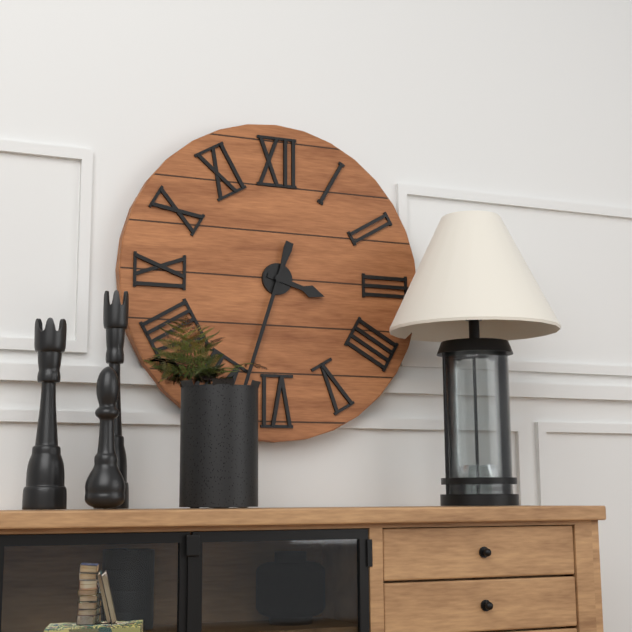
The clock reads {"hour": 3, "minute": 33}
